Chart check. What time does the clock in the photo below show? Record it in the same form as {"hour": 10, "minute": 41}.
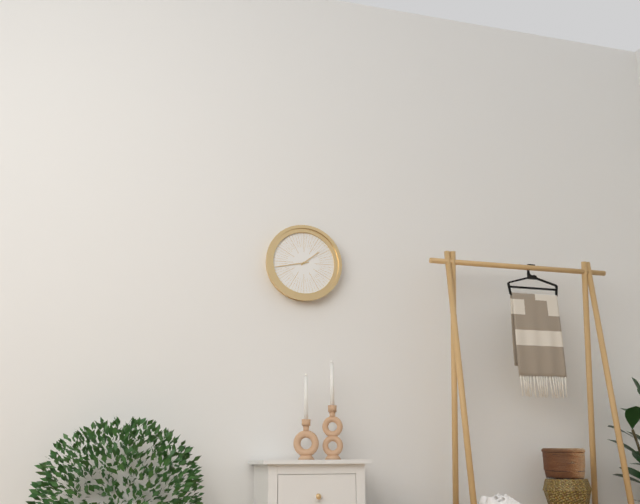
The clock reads {"hour": 1, "minute": 43}
